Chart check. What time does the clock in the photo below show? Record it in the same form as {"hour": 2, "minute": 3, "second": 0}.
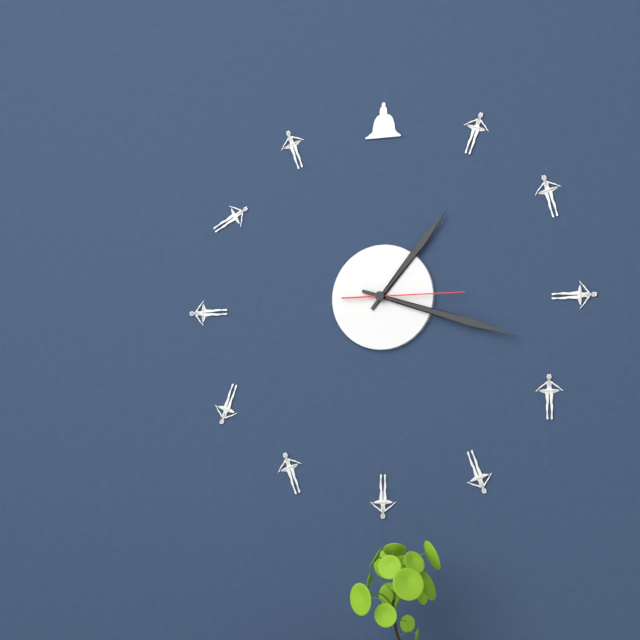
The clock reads {"hour": 1, "minute": 18, "second": 15}
